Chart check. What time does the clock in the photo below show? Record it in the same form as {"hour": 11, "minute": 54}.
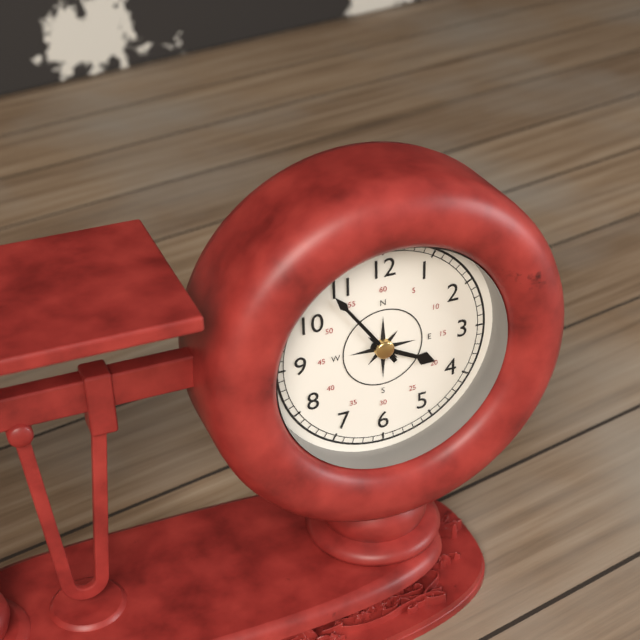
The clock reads {"hour": 3, "minute": 54}
